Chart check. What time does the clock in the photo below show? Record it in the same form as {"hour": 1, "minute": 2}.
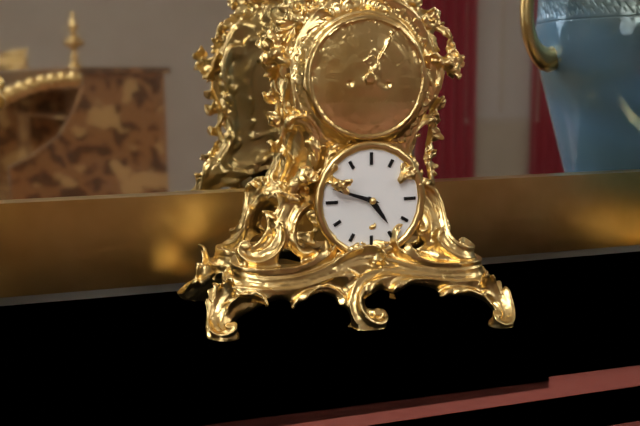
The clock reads {"hour": 4, "minute": 48}
